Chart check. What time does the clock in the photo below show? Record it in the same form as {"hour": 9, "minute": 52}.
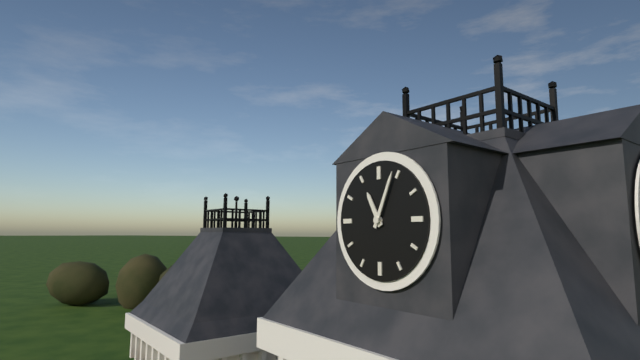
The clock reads {"hour": 11, "minute": 4}
